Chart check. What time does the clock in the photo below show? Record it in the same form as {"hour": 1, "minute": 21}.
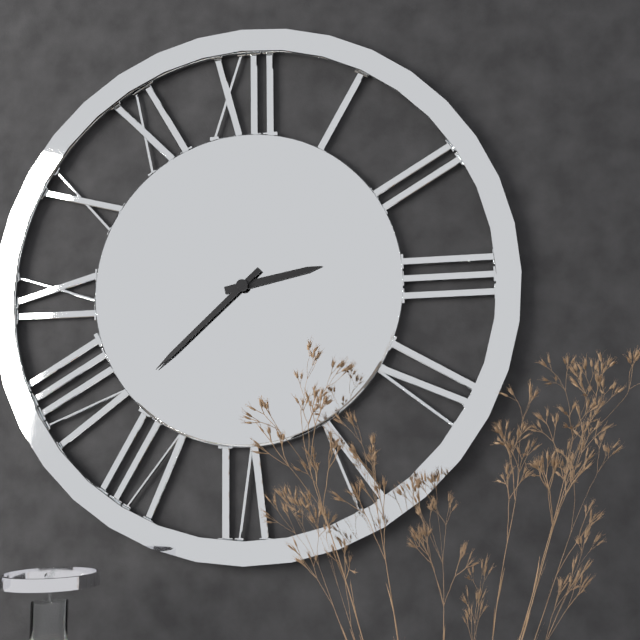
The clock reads {"hour": 2, "minute": 38}
